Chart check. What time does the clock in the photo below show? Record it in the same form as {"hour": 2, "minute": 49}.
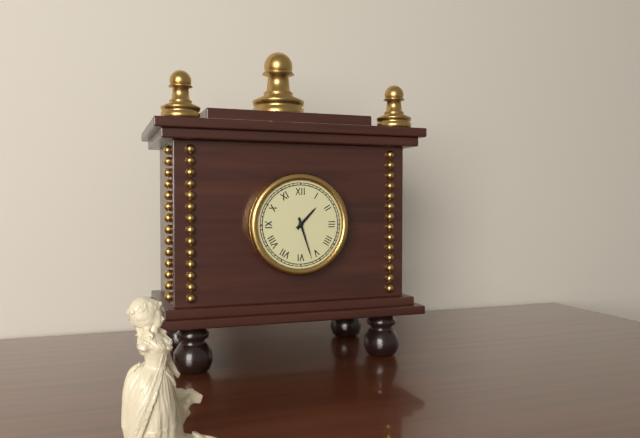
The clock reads {"hour": 1, "minute": 27}
